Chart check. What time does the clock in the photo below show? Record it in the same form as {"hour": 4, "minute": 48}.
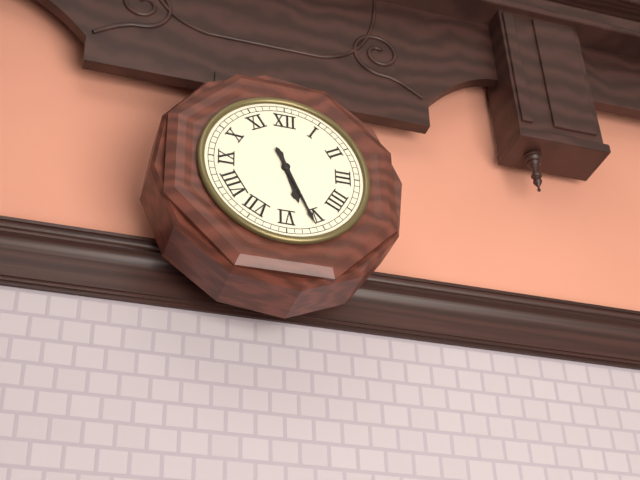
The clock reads {"hour": 5, "minute": 26}
